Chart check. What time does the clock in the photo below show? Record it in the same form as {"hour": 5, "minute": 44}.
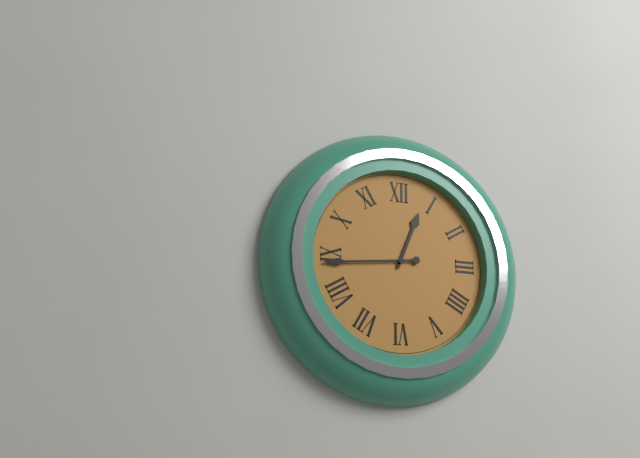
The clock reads {"hour": 12, "minute": 44}
